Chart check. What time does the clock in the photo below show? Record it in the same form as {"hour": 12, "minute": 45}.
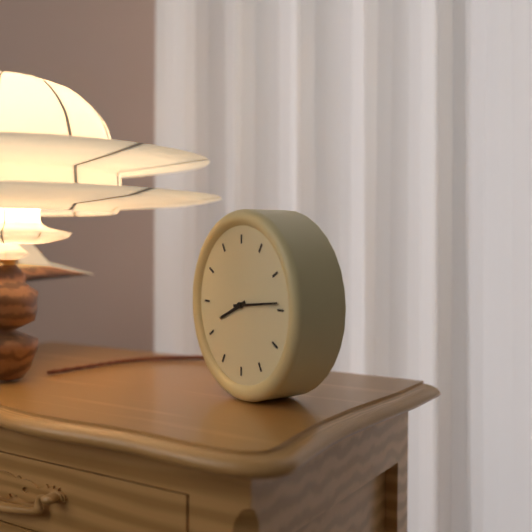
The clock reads {"hour": 8, "minute": 14}
